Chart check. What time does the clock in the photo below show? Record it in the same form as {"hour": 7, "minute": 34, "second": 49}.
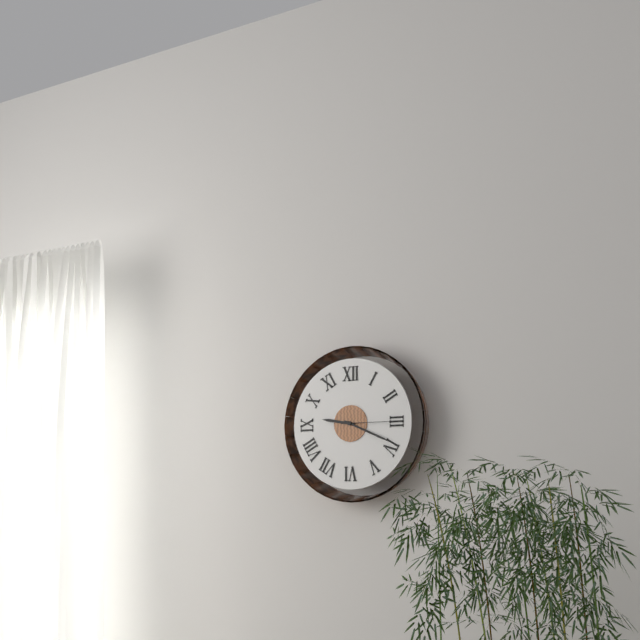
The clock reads {"hour": 9, "minute": 19, "second": 15}
